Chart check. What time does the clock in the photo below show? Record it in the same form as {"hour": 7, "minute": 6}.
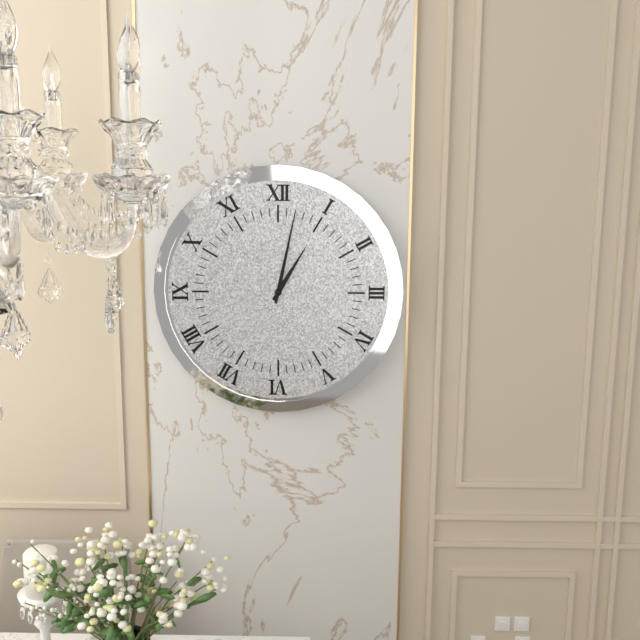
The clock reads {"hour": 1, "minute": 2}
